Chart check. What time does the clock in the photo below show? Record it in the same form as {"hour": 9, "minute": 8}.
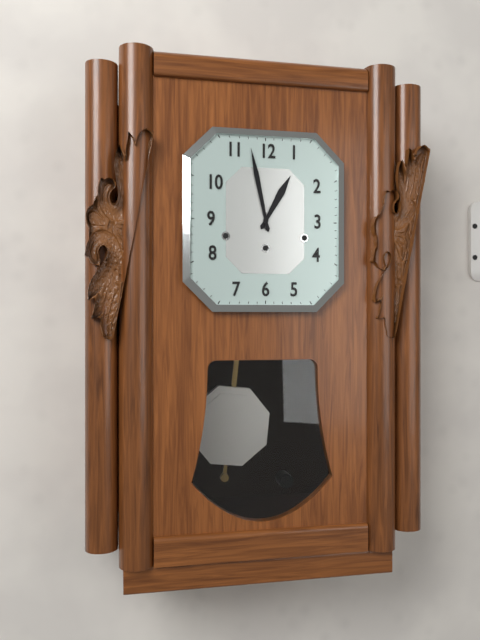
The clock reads {"hour": 12, "minute": 58}
